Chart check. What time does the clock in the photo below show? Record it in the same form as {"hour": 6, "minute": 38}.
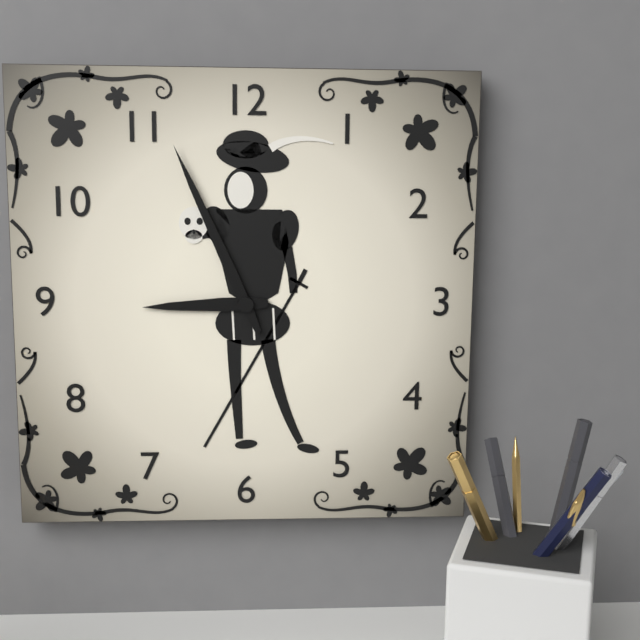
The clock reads {"hour": 8, "minute": 56}
